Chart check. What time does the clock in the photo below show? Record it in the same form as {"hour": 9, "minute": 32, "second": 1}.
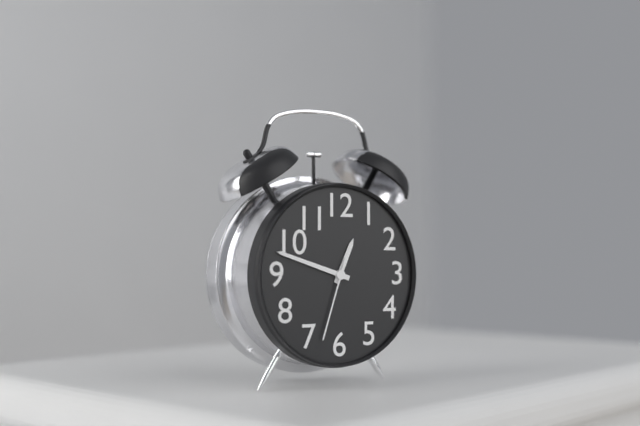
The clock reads {"hour": 12, "minute": 48, "second": 33}
